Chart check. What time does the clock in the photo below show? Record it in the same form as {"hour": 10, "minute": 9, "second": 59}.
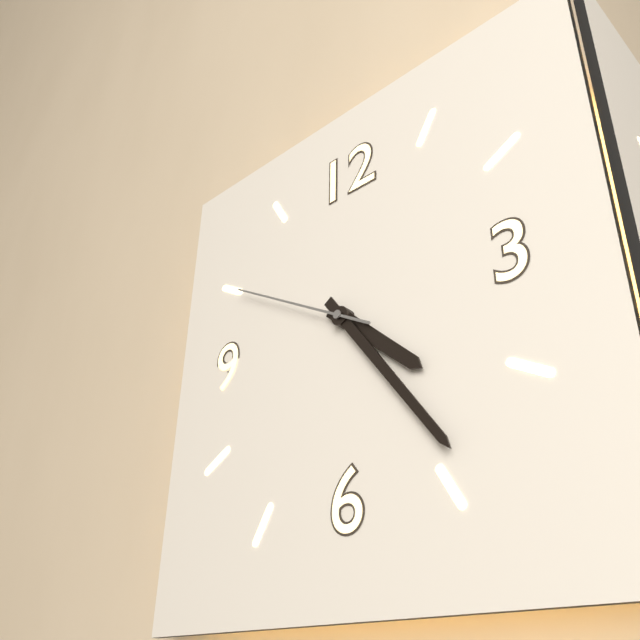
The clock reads {"hour": 4, "minute": 24, "second": 50}
